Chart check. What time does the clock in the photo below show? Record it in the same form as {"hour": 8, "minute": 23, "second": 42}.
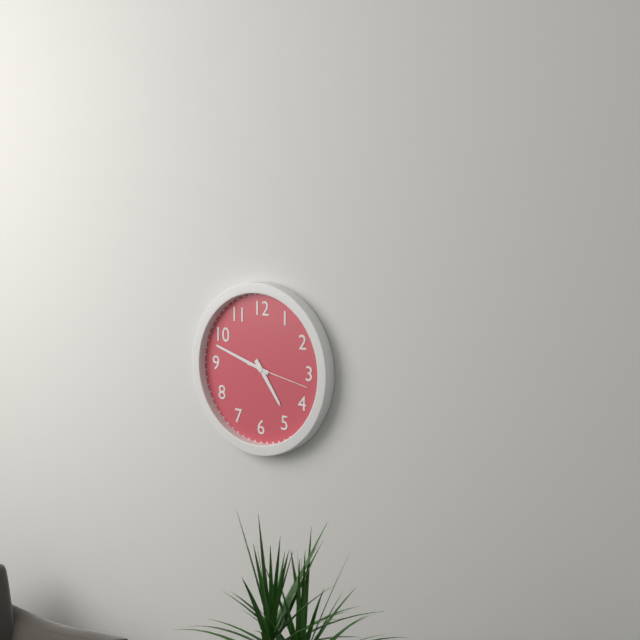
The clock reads {"hour": 4, "minute": 48, "second": 17}
